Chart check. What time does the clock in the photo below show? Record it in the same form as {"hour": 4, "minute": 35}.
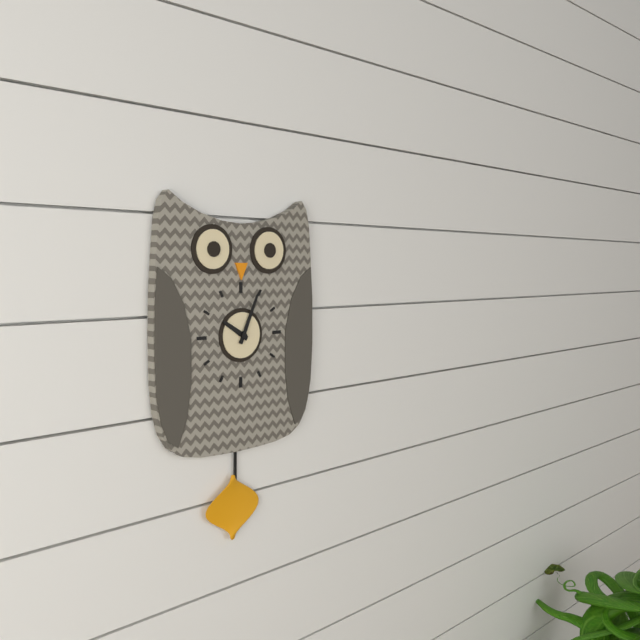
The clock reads {"hour": 10, "minute": 4}
